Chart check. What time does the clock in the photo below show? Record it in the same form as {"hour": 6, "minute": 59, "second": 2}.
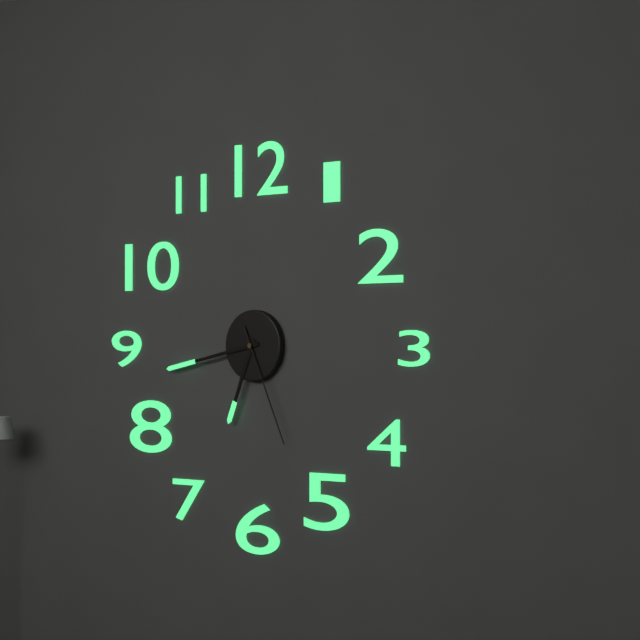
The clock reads {"hour": 6, "minute": 43, "second": 26}
